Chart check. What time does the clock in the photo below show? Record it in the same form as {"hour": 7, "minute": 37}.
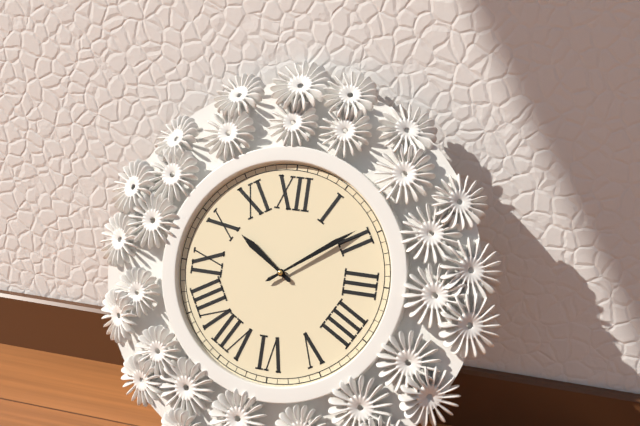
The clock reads {"hour": 10, "minute": 9}
